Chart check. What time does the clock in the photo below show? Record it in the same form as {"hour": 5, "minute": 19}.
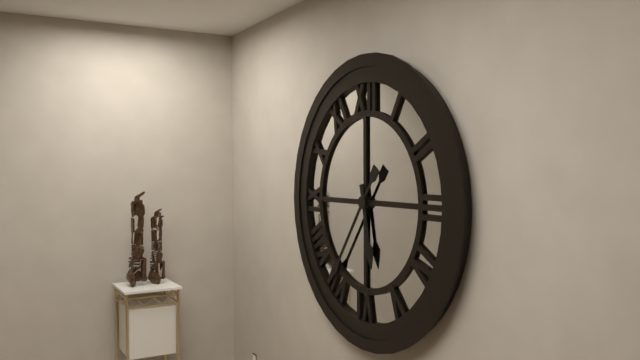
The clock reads {"hour": 5, "minute": 36}
